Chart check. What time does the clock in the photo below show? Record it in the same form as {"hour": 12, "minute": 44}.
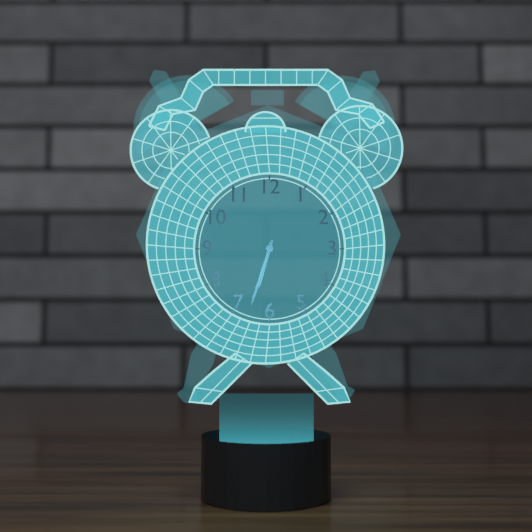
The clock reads {"hour": 6, "minute": 33}
